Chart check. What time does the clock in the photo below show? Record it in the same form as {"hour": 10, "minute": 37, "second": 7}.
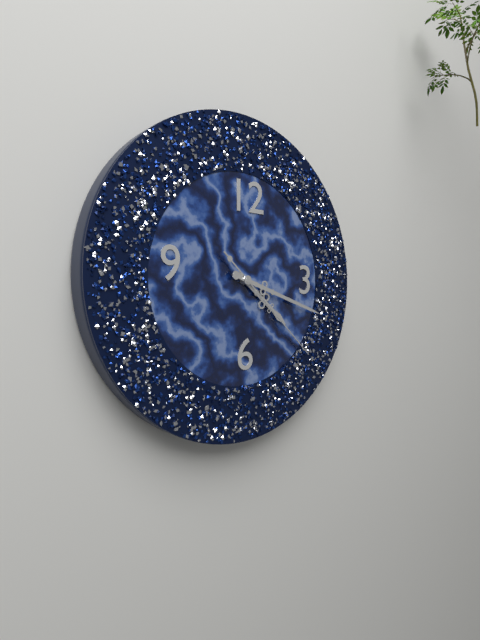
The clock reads {"hour": 4, "minute": 18, "second": 22}
